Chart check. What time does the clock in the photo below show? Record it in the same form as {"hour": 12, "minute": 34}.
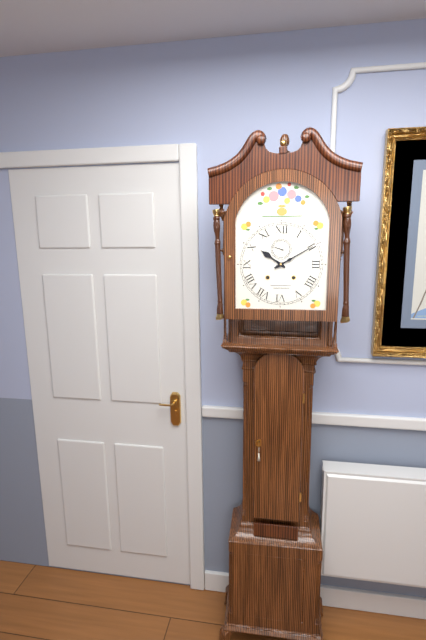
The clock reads {"hour": 10, "minute": 10}
